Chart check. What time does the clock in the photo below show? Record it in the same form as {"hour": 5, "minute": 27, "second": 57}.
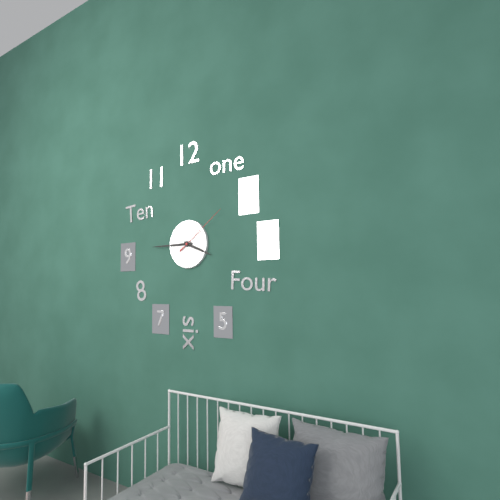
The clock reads {"hour": 3, "minute": 45, "second": 9}
